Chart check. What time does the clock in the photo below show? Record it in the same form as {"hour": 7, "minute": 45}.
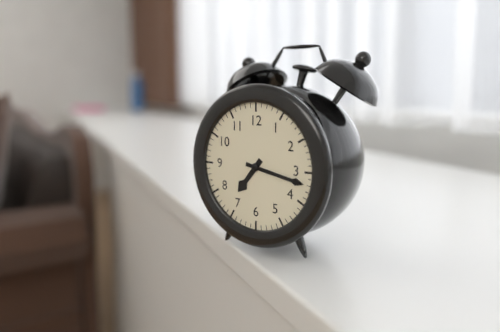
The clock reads {"hour": 7, "minute": 17}
